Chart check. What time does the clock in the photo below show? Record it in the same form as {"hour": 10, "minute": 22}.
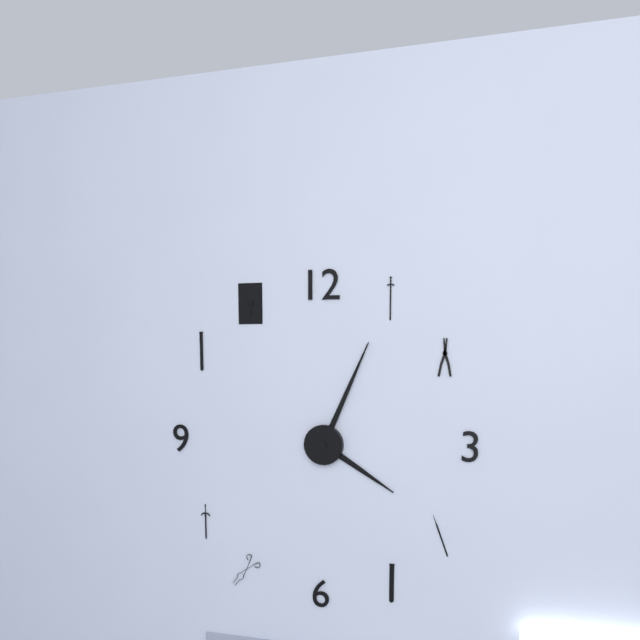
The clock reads {"hour": 4, "minute": 4}
